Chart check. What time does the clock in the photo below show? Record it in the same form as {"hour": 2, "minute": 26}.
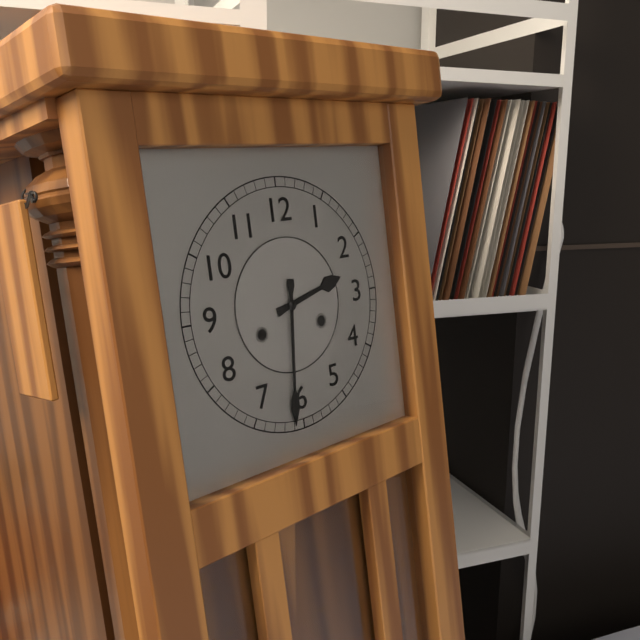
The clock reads {"hour": 2, "minute": 31}
